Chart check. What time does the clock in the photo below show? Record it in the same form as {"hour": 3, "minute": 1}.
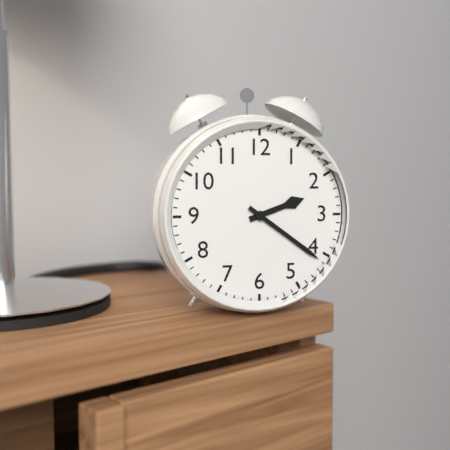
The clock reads {"hour": 2, "minute": 21}
